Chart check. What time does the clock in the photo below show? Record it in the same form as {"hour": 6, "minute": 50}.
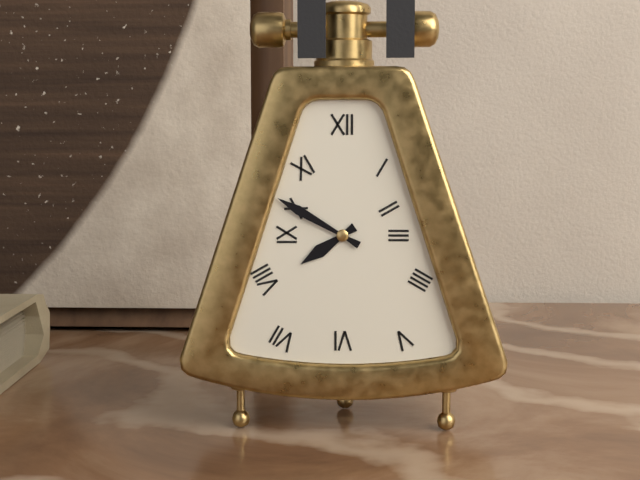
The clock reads {"hour": 7, "minute": 50}
